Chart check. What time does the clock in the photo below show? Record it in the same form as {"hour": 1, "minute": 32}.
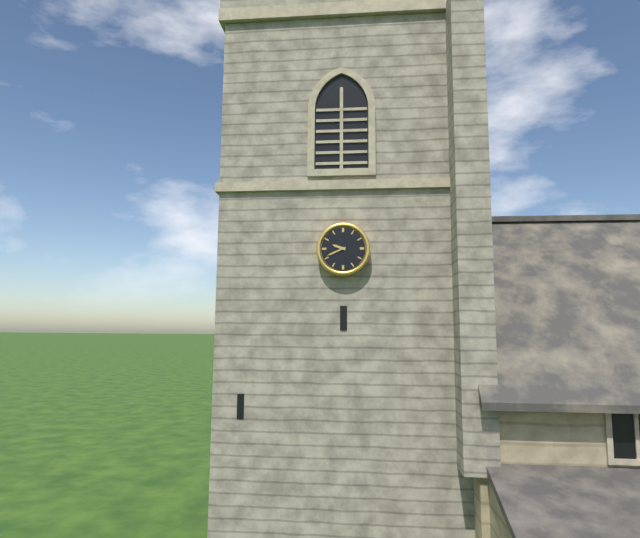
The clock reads {"hour": 9, "minute": 41}
